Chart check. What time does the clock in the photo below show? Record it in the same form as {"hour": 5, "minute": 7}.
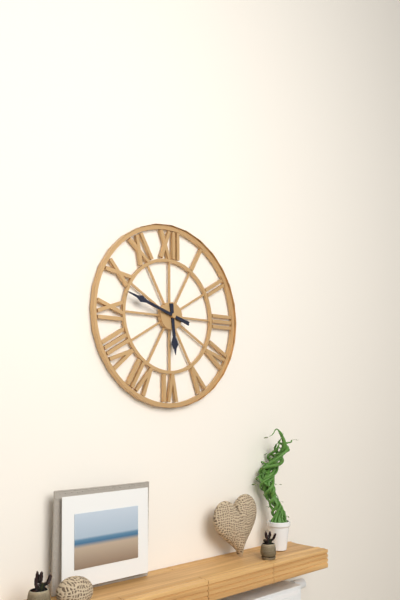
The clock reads {"hour": 5, "minute": 48}
